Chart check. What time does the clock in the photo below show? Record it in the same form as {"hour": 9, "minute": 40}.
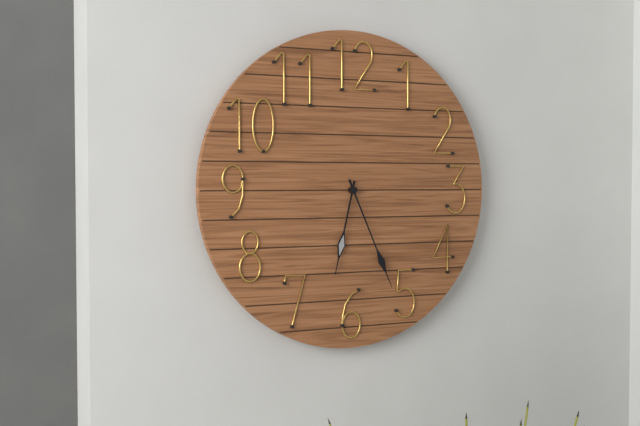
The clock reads {"hour": 6, "minute": 26}
